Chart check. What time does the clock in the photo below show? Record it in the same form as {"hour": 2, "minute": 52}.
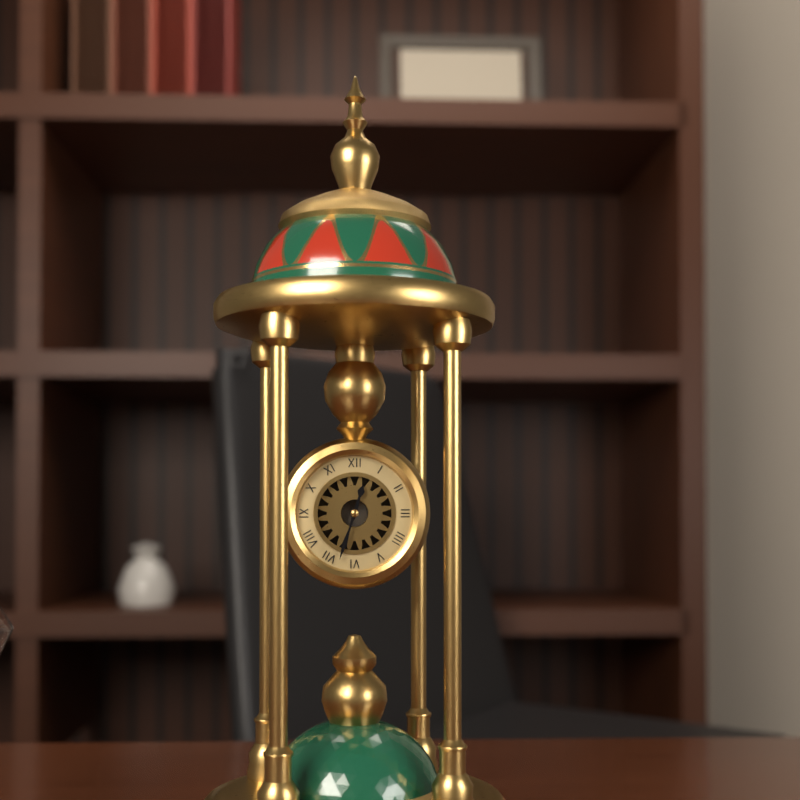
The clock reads {"hour": 12, "minute": 33}
